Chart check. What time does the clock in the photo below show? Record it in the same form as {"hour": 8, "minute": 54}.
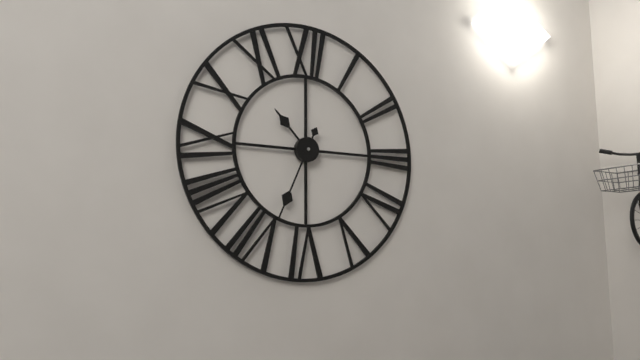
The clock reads {"hour": 10, "minute": 34}
